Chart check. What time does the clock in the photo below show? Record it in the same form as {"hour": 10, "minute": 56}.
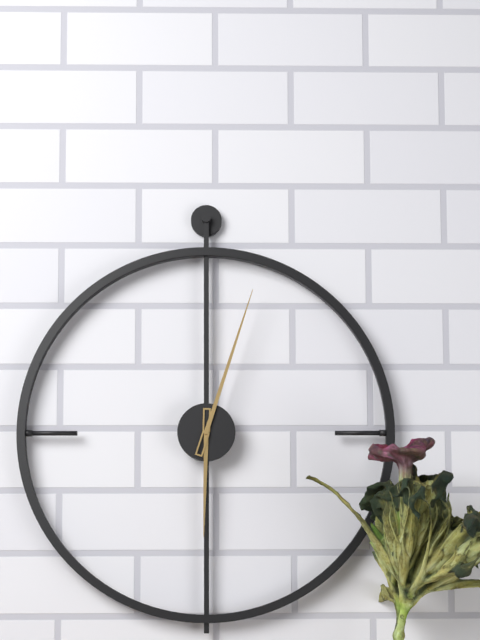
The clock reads {"hour": 6, "minute": 3}
